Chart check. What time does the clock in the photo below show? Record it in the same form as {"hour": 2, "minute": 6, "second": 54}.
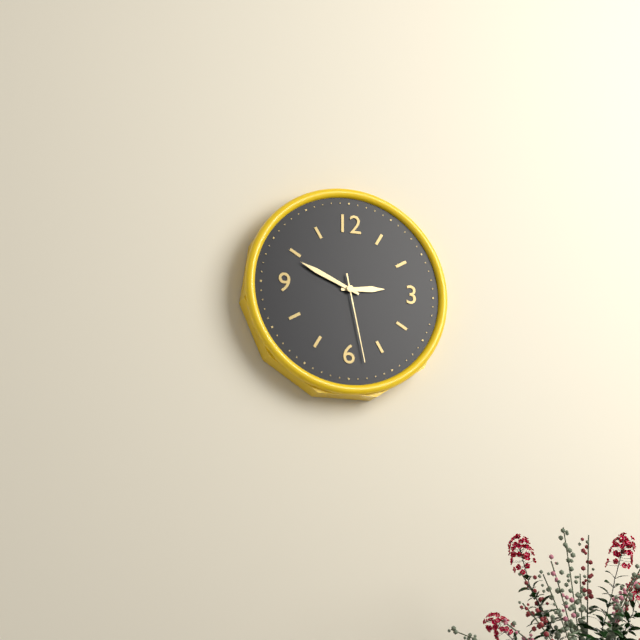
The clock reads {"hour": 2, "minute": 49, "second": 28}
